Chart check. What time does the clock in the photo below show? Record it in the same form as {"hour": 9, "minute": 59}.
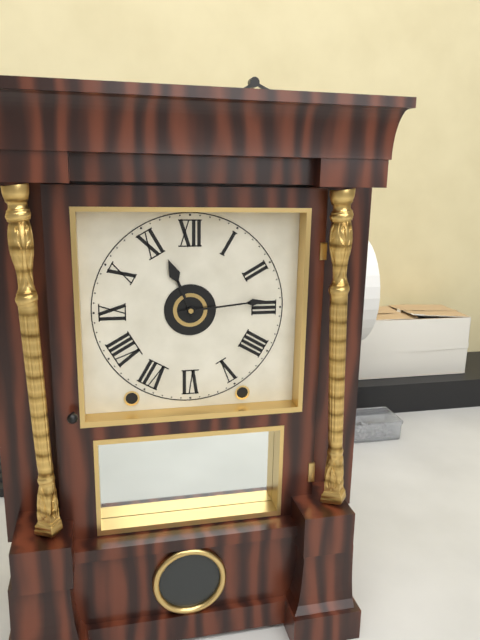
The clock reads {"hour": 11, "minute": 14}
